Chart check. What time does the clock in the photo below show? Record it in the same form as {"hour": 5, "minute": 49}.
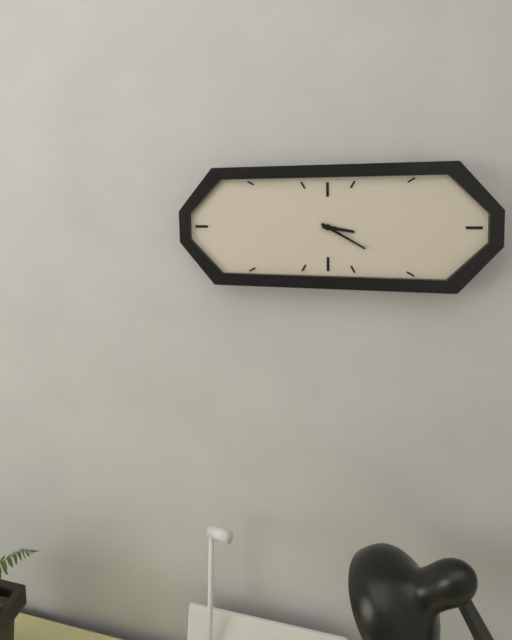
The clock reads {"hour": 3, "minute": 20}
